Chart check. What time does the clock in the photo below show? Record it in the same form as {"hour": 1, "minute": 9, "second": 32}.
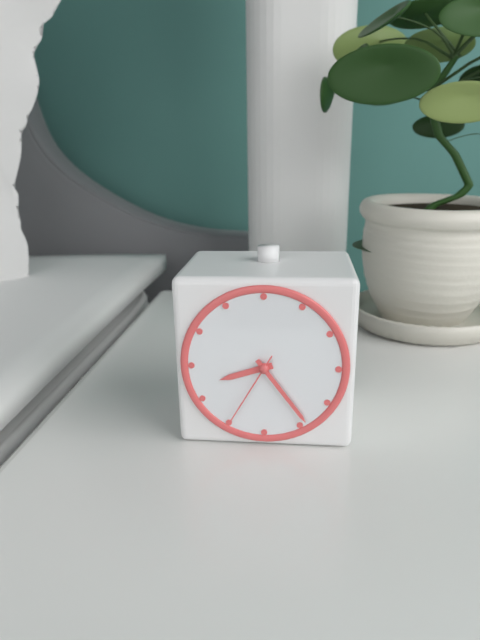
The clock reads {"hour": 8, "minute": 24, "second": 35}
